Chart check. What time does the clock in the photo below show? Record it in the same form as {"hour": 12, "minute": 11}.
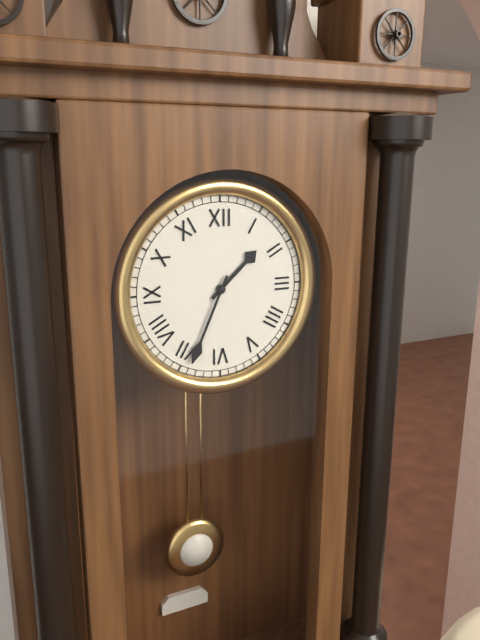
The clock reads {"hour": 1, "minute": 34}
